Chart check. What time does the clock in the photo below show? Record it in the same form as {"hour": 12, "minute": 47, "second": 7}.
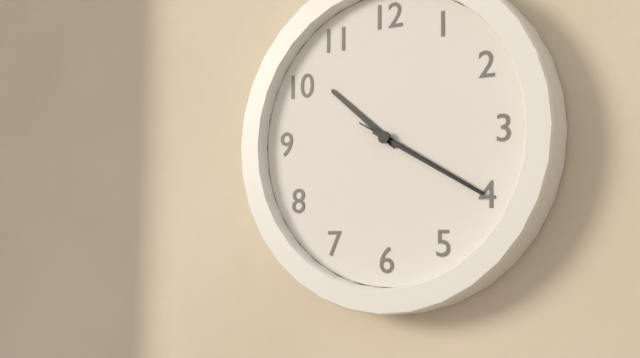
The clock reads {"hour": 10, "minute": 20, "second": 20}
